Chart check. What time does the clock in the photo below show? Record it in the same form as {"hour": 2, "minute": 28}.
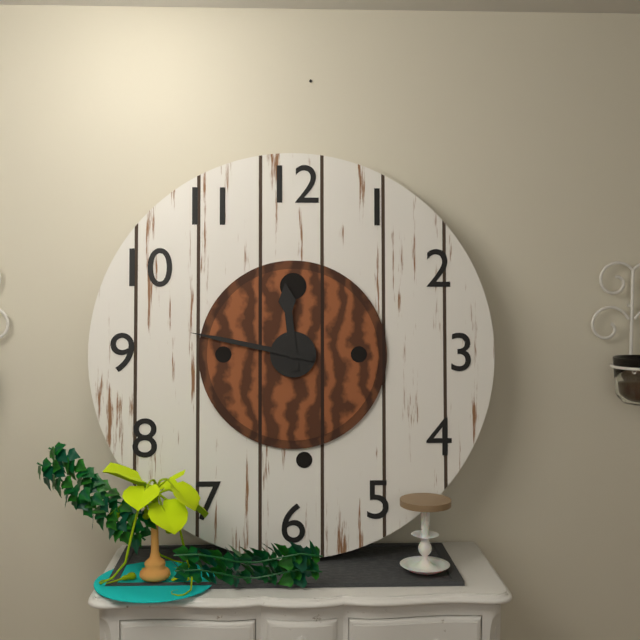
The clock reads {"hour": 11, "minute": 47}
